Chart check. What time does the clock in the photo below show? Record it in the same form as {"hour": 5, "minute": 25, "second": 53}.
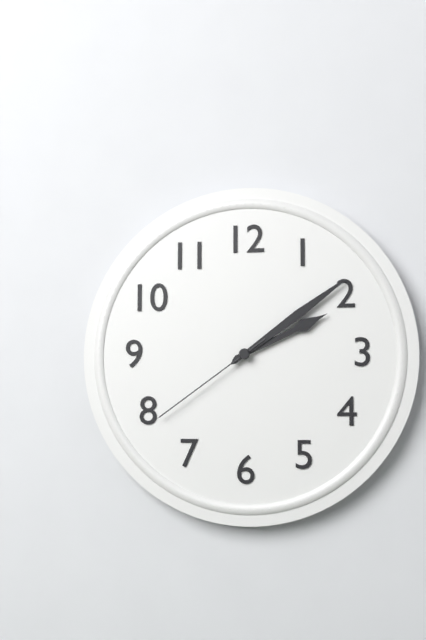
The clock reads {"hour": 2, "minute": 9, "second": 39}
